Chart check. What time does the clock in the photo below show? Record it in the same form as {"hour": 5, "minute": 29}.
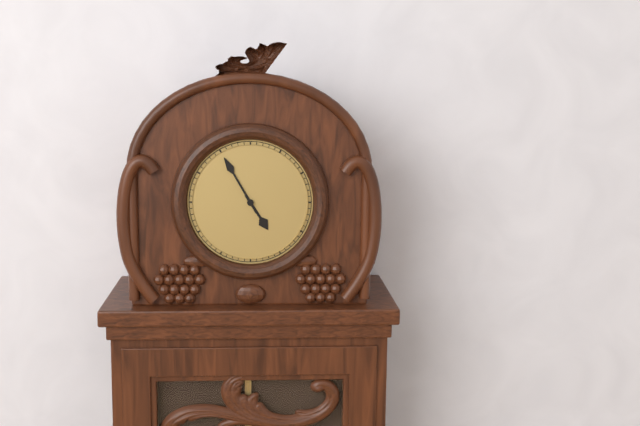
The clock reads {"hour": 4, "minute": 55}
